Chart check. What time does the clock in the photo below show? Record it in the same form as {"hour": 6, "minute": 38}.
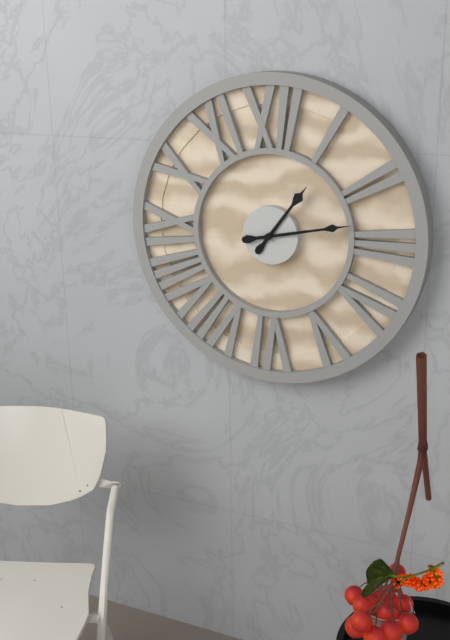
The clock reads {"hour": 1, "minute": 13}
